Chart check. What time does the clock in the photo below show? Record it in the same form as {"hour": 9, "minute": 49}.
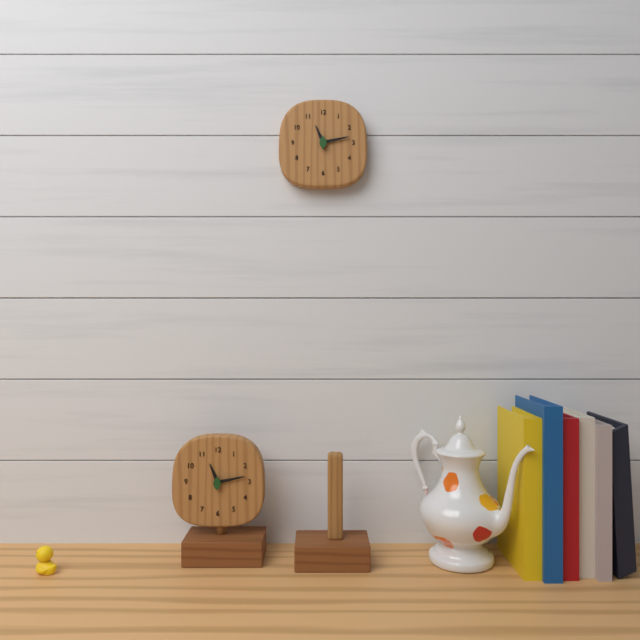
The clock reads {"hour": 11, "minute": 13}
